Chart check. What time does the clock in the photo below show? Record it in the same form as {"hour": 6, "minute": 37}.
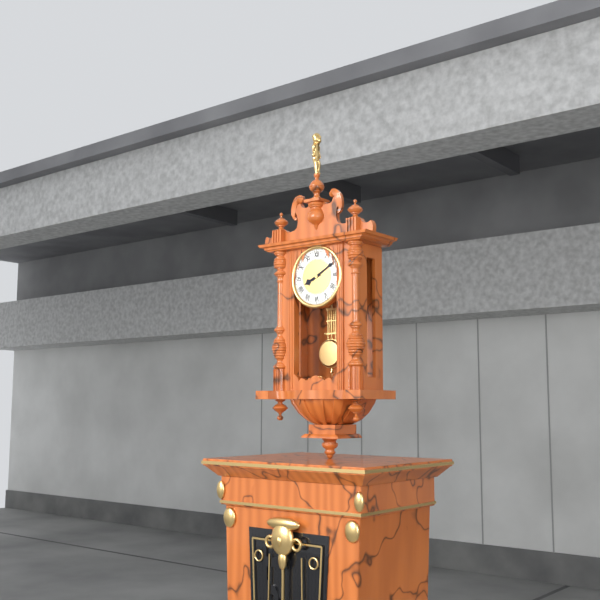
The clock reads {"hour": 8, "minute": 10}
